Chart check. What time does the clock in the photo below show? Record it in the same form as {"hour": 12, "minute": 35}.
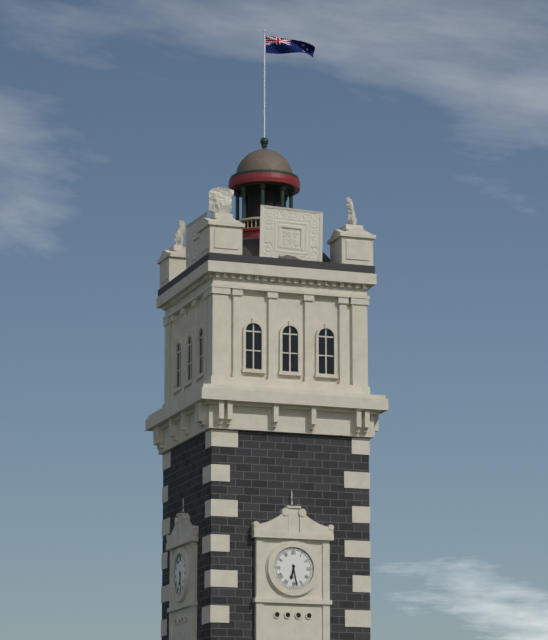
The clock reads {"hour": 6, "minute": 28}
